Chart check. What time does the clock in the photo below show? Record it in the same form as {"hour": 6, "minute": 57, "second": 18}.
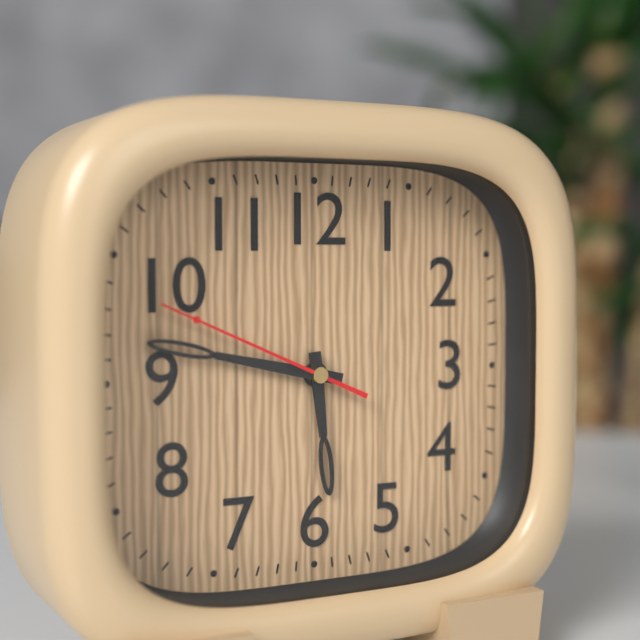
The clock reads {"hour": 5, "minute": 47, "second": 49}
